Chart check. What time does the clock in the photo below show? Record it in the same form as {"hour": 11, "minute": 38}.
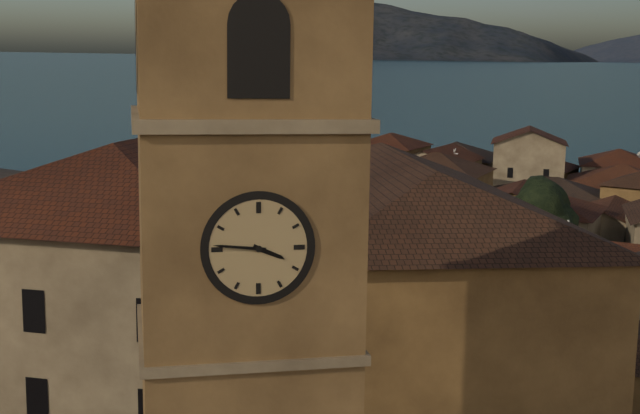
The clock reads {"hour": 3, "minute": 46}
